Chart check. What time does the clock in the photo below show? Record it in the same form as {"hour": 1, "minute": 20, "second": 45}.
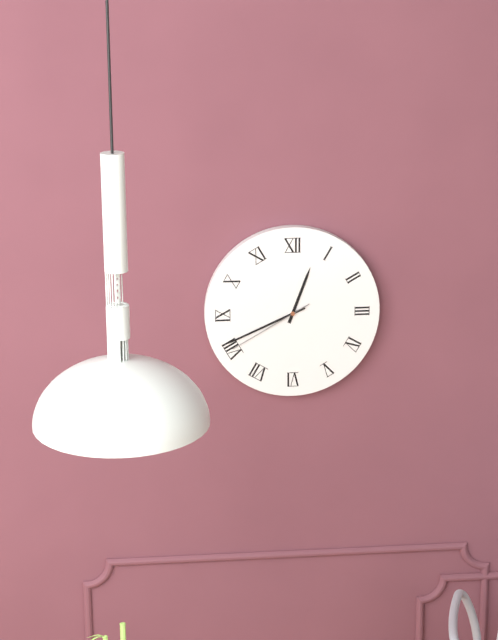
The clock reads {"hour": 12, "minute": 41, "second": 40}
